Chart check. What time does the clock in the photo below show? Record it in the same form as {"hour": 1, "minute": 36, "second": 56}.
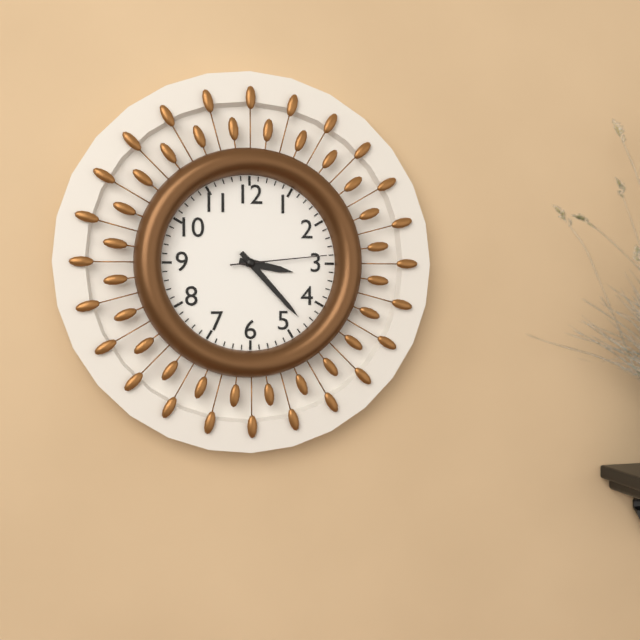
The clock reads {"hour": 3, "minute": 23, "second": 14}
